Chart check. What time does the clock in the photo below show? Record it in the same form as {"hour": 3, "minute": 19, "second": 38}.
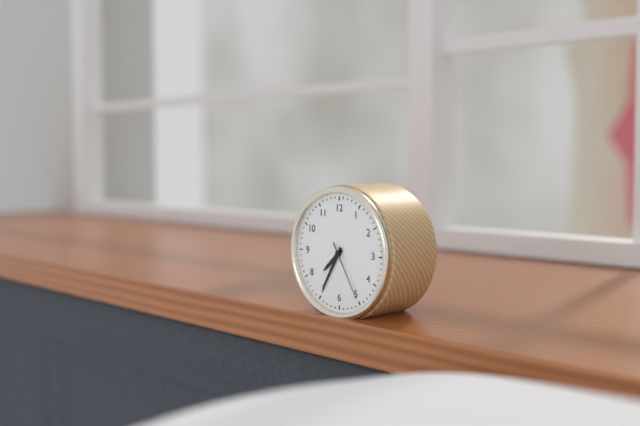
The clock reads {"hour": 7, "minute": 35, "second": 25}
